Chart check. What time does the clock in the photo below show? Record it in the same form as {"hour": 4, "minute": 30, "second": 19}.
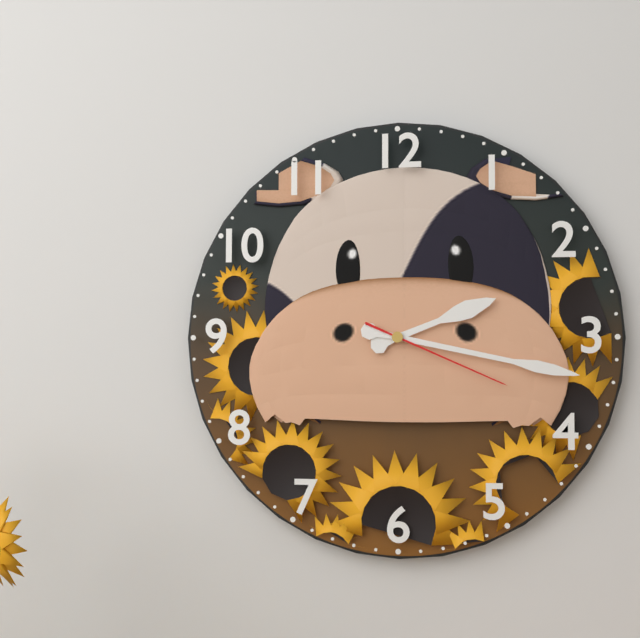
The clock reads {"hour": 2, "minute": 17, "second": 19}
